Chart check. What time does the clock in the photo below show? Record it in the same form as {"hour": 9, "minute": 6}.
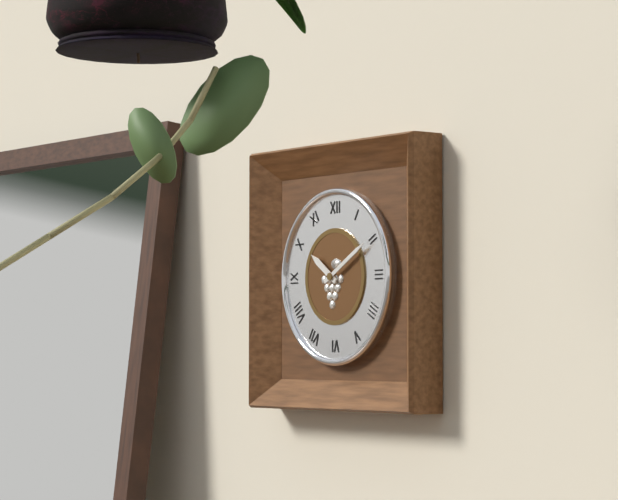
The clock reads {"hour": 10, "minute": 10}
